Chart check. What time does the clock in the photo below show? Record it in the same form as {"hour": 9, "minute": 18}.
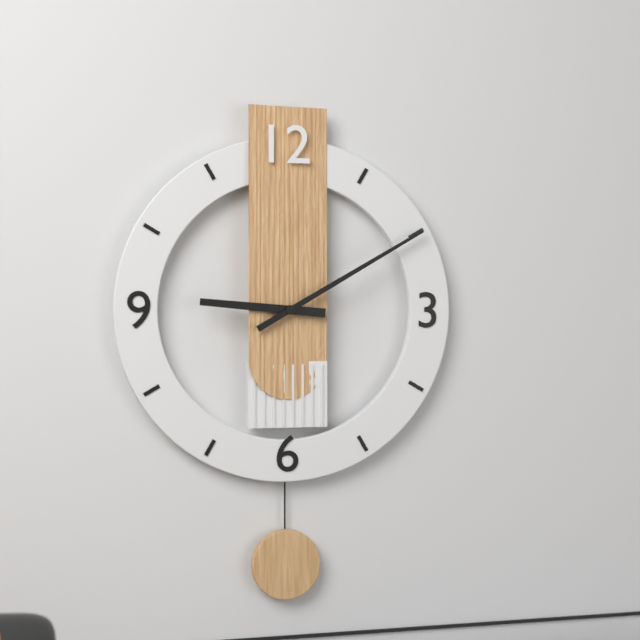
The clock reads {"hour": 9, "minute": 10}
